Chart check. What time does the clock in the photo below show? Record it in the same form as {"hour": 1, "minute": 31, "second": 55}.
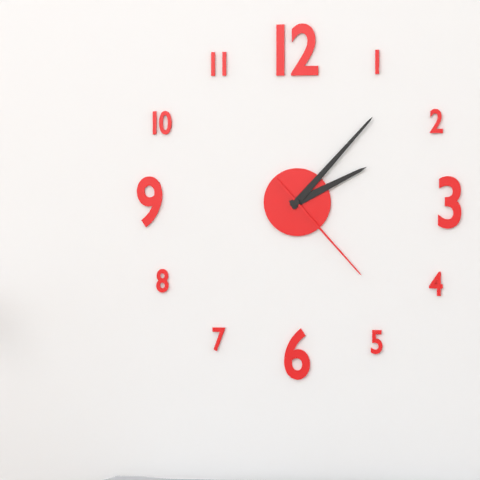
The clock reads {"hour": 2, "minute": 7, "second": 23}
